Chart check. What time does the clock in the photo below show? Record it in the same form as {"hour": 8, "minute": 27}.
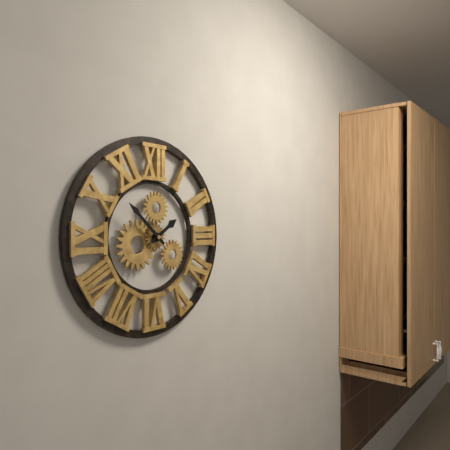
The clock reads {"hour": 1, "minute": 52}
